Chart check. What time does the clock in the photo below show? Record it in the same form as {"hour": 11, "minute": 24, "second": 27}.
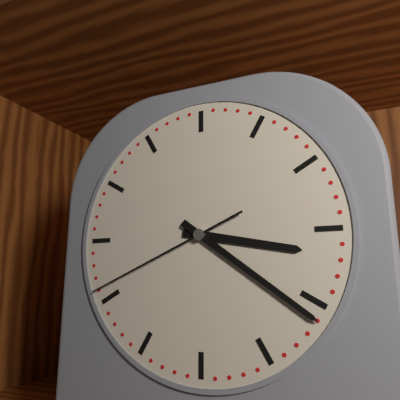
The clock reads {"hour": 3, "minute": 21, "second": 41}
